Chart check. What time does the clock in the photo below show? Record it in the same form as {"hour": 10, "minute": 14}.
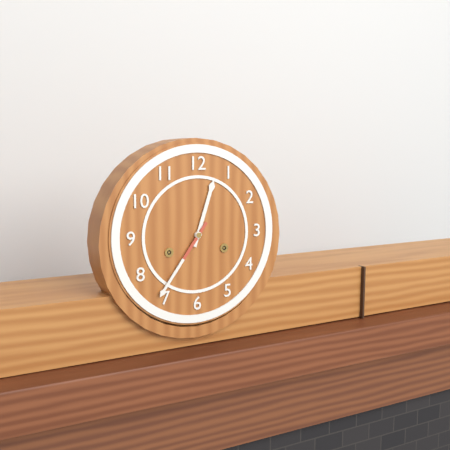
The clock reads {"hour": 12, "minute": 36}
